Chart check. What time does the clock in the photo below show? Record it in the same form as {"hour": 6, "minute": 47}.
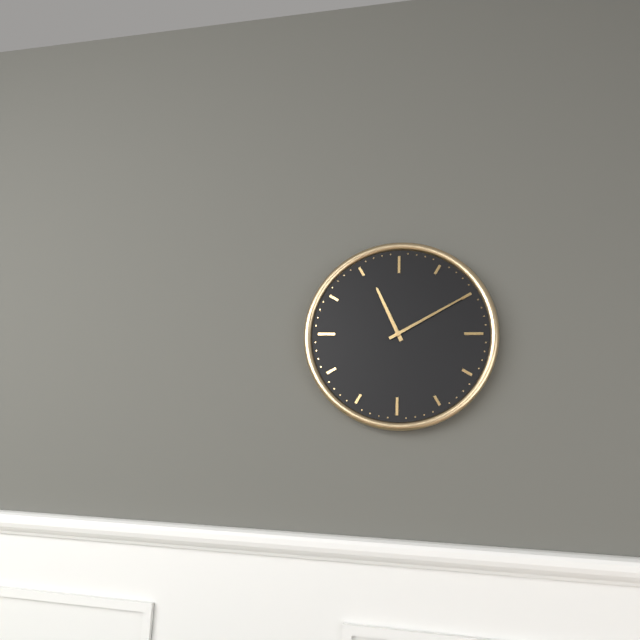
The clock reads {"hour": 11, "minute": 10}
